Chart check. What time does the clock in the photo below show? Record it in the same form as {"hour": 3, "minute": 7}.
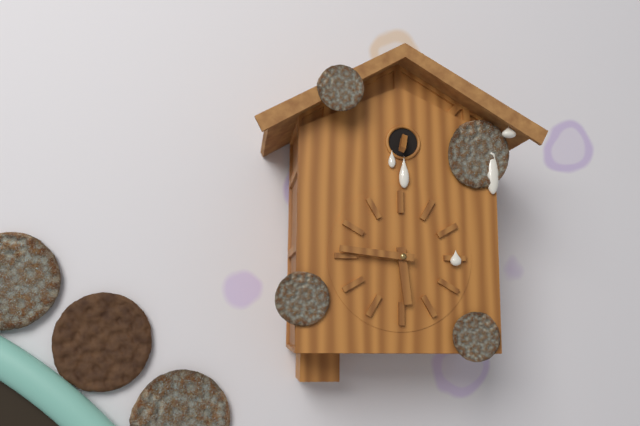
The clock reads {"hour": 5, "minute": 46}
